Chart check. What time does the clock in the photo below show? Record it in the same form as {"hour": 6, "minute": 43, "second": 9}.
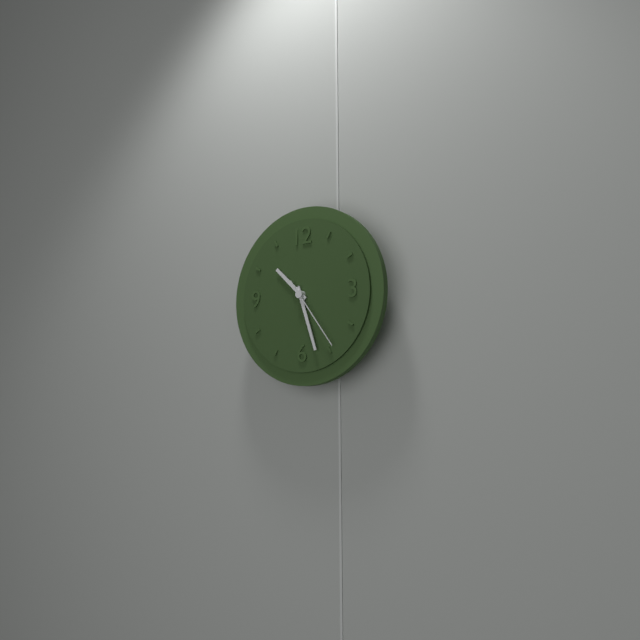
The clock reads {"hour": 10, "minute": 27, "second": 24}
